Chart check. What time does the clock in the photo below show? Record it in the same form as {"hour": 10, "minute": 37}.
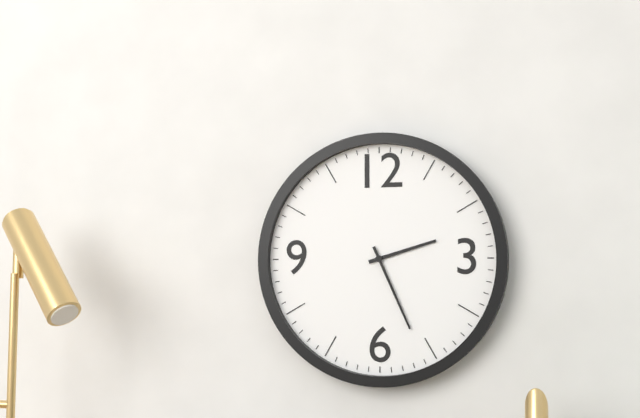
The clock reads {"hour": 2, "minute": 26}
